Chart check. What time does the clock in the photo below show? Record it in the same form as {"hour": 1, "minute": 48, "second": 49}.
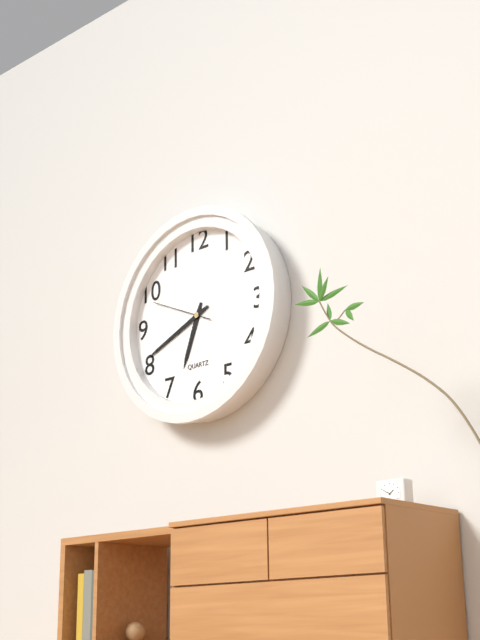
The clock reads {"hour": 6, "minute": 41, "second": 49}
